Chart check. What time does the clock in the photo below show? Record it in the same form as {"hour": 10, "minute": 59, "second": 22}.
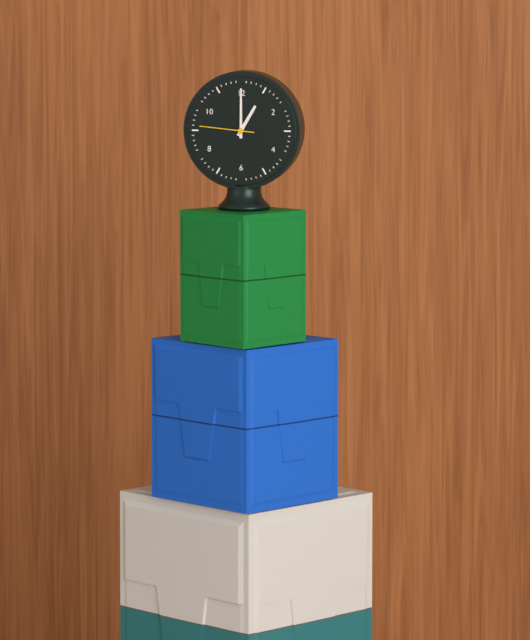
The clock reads {"hour": 1, "minute": 0, "second": 46}
